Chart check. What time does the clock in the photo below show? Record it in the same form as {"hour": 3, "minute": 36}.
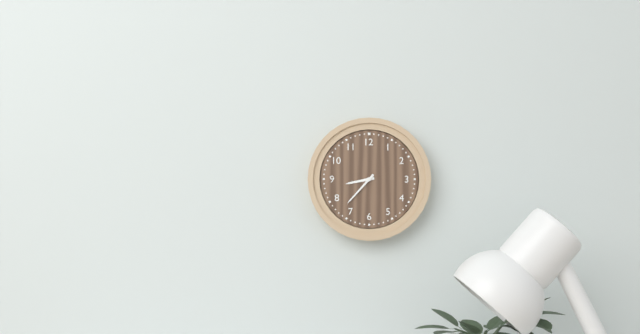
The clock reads {"hour": 8, "minute": 37}
